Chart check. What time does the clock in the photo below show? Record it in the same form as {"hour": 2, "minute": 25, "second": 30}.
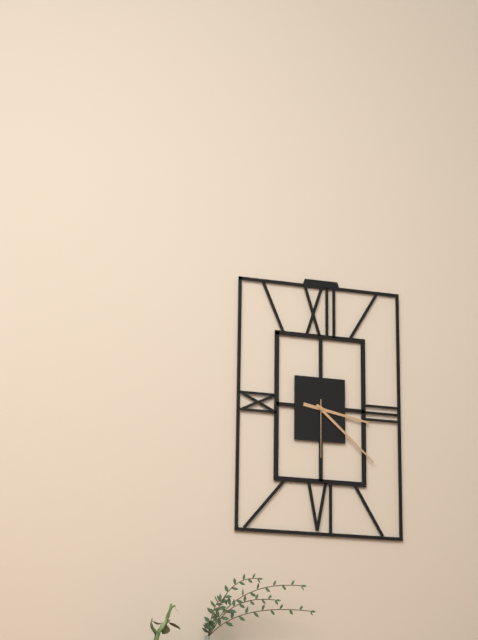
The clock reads {"hour": 3, "minute": 22, "second": 30}
